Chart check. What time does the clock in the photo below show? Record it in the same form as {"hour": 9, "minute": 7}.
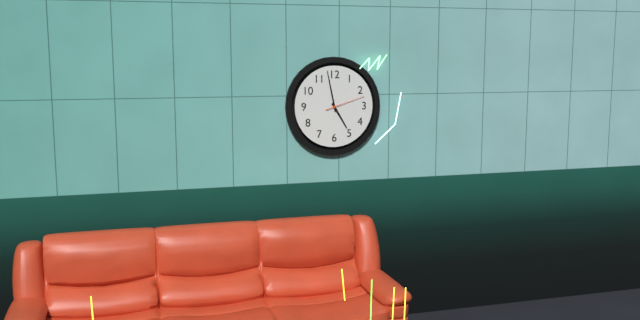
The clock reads {"hour": 4, "minute": 58}
